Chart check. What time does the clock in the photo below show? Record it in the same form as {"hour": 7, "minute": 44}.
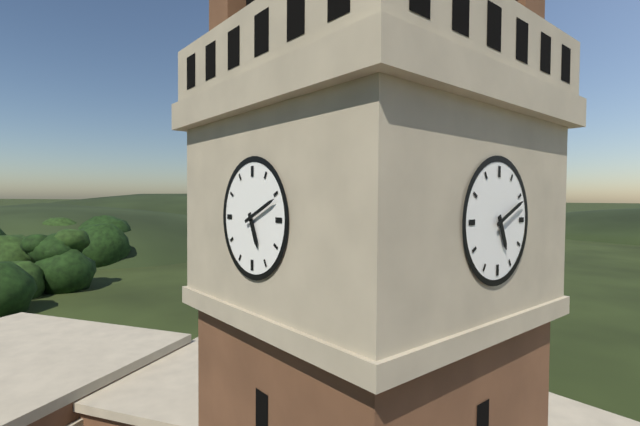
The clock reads {"hour": 5, "minute": 11}
